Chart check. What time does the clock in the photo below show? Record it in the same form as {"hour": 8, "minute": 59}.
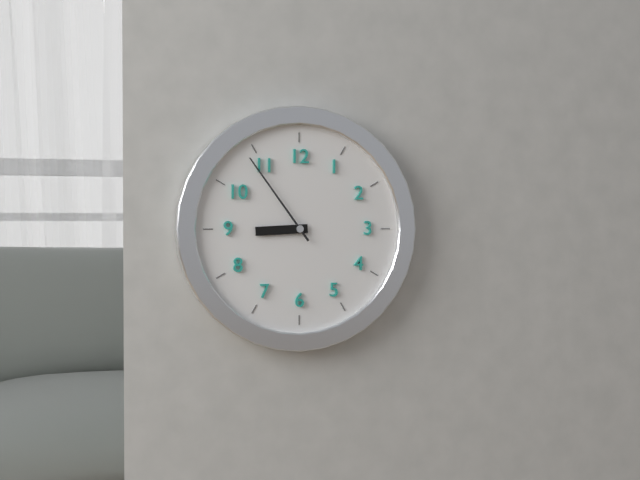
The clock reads {"hour": 8, "minute": 54}
